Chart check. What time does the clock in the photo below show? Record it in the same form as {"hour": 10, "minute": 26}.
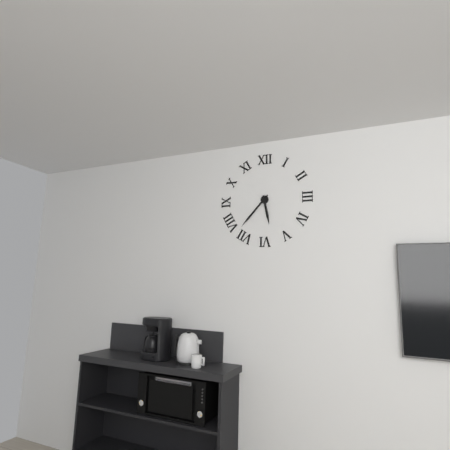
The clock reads {"hour": 5, "minute": 37}
